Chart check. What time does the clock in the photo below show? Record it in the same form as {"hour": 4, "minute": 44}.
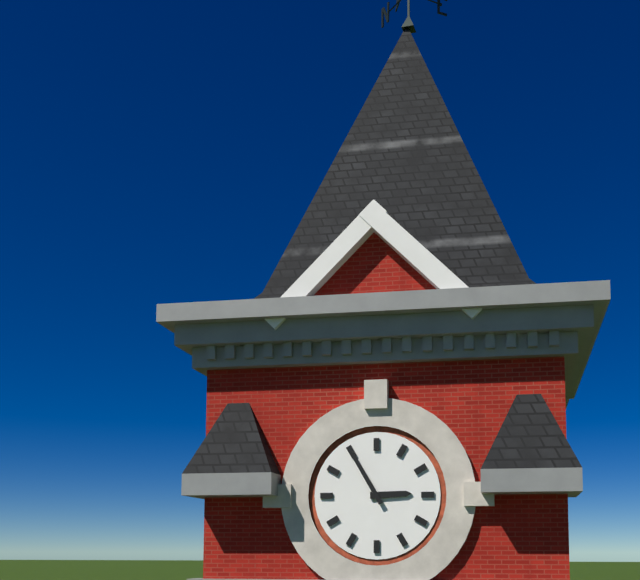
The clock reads {"hour": 2, "minute": 55}
